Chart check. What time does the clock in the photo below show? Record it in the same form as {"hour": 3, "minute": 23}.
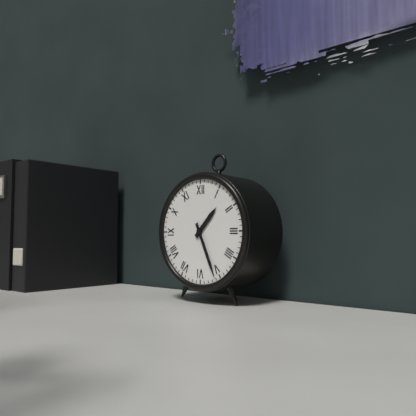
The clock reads {"hour": 1, "minute": 26}
